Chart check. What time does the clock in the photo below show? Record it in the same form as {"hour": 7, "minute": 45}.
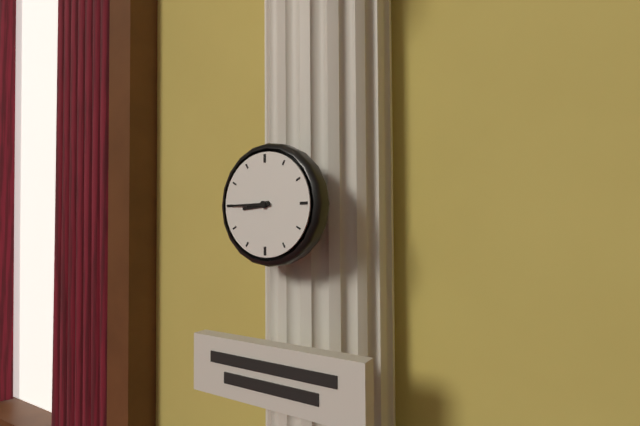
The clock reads {"hour": 8, "minute": 45}
